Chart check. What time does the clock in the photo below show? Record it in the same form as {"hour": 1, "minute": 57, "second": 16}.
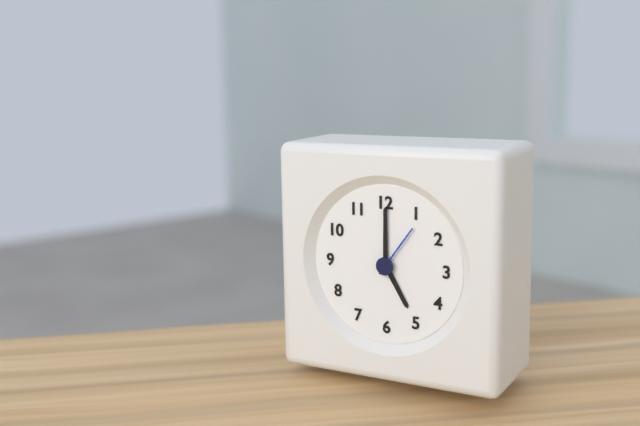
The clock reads {"hour": 5, "minute": 0, "second": 6}
